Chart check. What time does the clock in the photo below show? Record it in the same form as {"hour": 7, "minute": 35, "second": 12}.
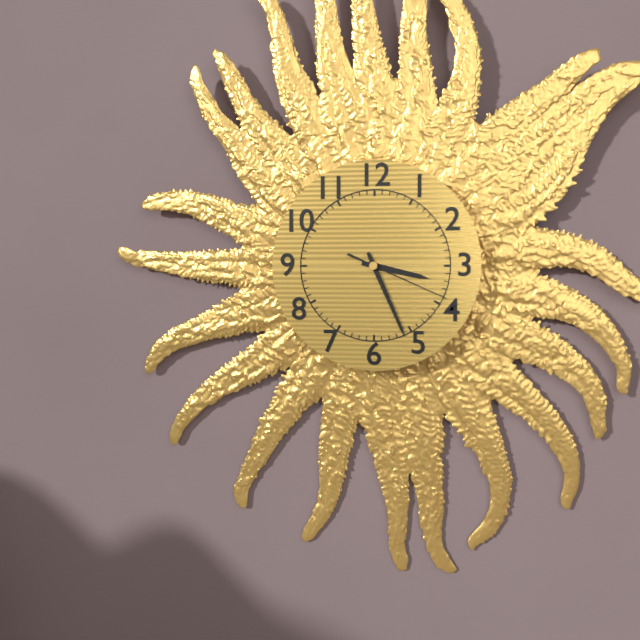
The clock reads {"hour": 3, "minute": 26, "second": 19}
